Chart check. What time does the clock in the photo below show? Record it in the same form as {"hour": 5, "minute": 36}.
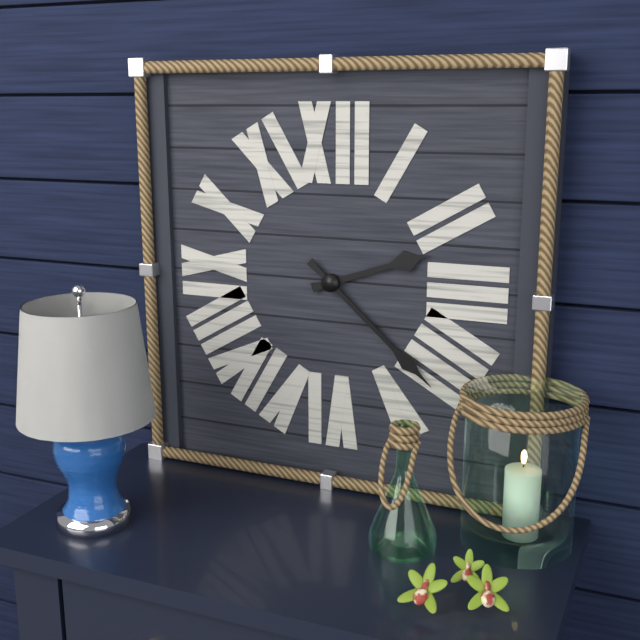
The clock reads {"hour": 2, "minute": 22}
